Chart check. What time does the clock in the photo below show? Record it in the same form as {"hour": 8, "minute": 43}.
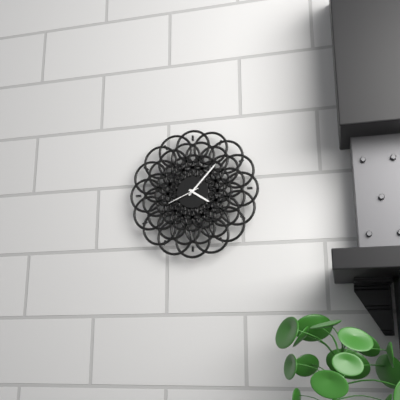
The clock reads {"hour": 4, "minute": 7}
